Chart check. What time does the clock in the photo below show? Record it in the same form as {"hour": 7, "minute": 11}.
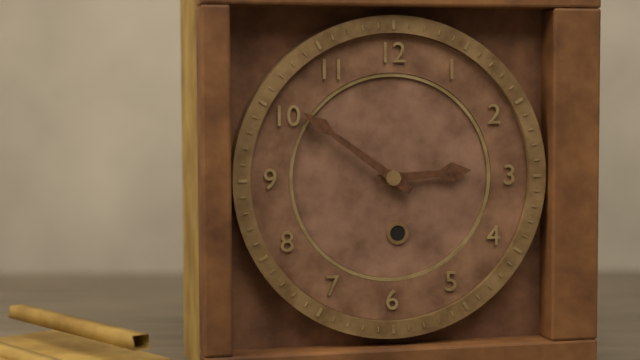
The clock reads {"hour": 2, "minute": 51}
